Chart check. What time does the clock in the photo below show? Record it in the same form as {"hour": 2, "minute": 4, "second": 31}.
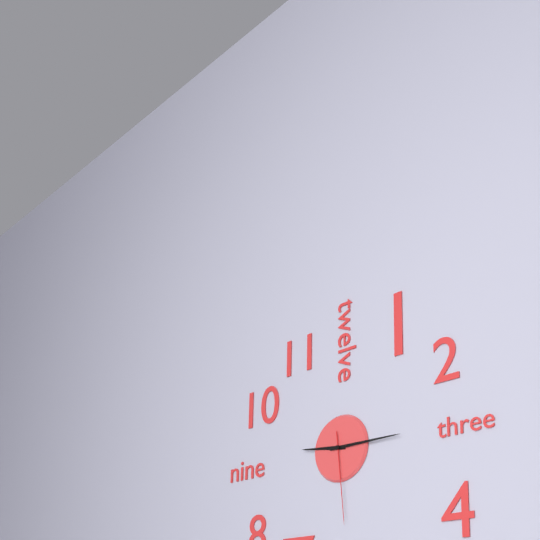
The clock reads {"hour": 9, "minute": 15, "second": 29}
